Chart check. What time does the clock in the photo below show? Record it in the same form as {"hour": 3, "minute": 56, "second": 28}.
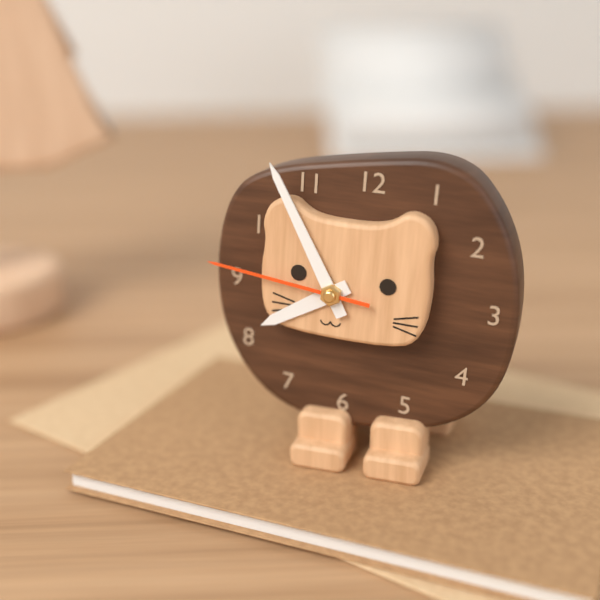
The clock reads {"hour": 7, "minute": 55, "second": 46}
